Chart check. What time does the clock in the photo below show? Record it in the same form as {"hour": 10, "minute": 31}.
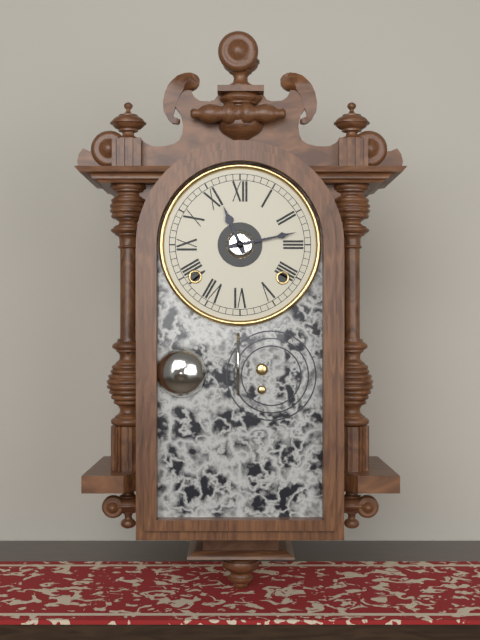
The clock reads {"hour": 11, "minute": 13}
